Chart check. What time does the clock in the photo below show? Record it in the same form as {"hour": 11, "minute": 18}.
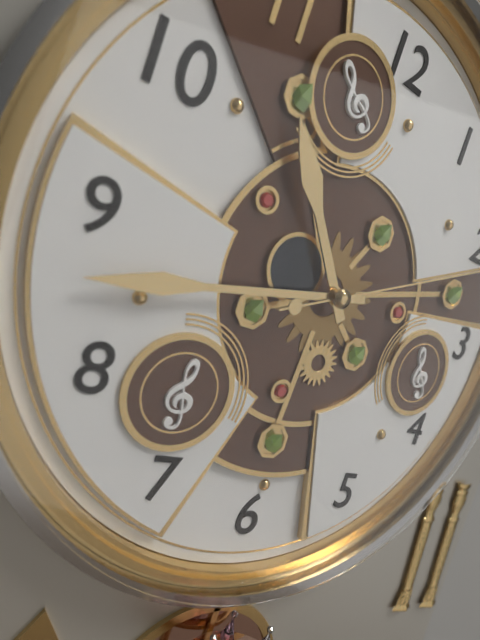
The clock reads {"hour": 10, "minute": 43}
